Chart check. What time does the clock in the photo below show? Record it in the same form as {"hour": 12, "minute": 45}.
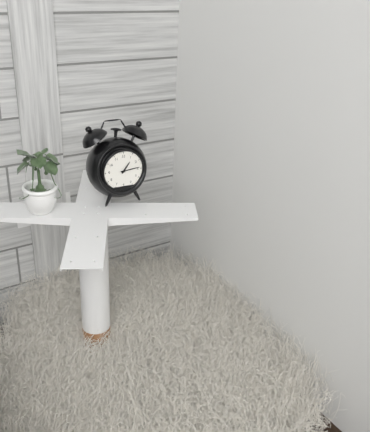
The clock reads {"hour": 1, "minute": 14}
